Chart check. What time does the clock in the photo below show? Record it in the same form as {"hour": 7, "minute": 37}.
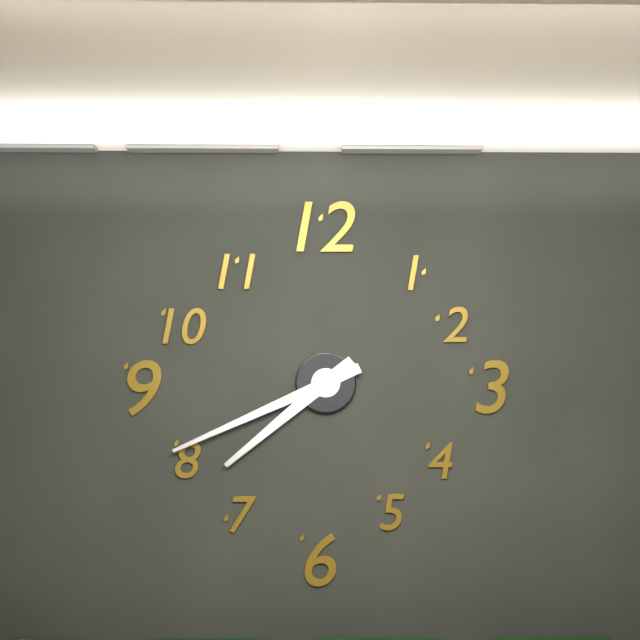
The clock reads {"hour": 7, "minute": 41}
